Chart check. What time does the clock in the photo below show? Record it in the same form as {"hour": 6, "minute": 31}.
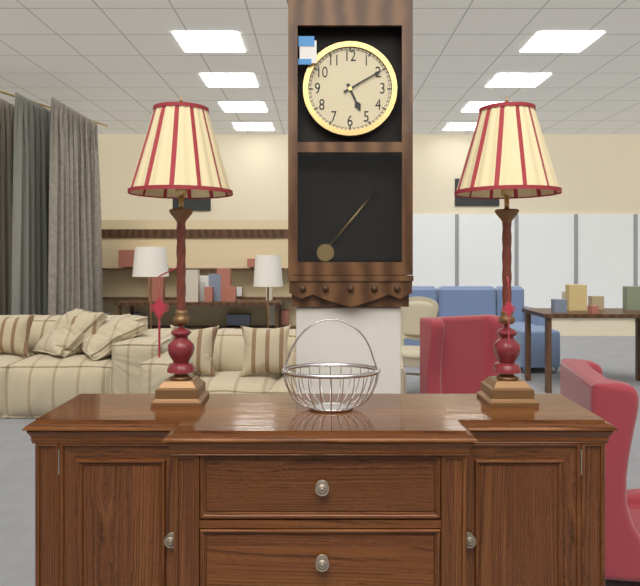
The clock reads {"hour": 5, "minute": 10}
